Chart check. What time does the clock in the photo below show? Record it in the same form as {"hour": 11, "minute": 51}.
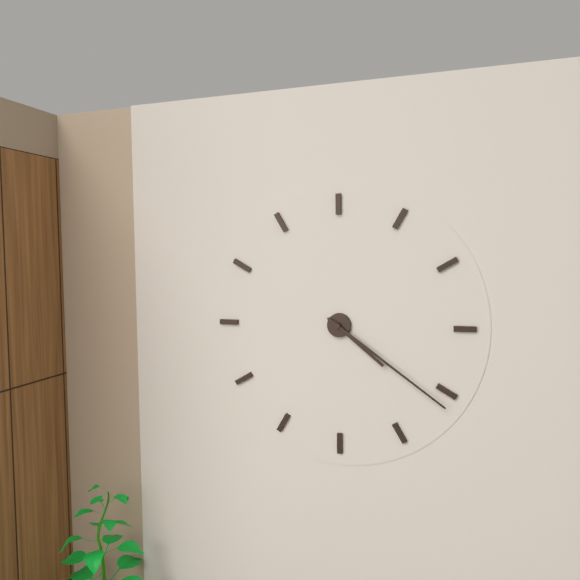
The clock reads {"hour": 4, "minute": 21}
